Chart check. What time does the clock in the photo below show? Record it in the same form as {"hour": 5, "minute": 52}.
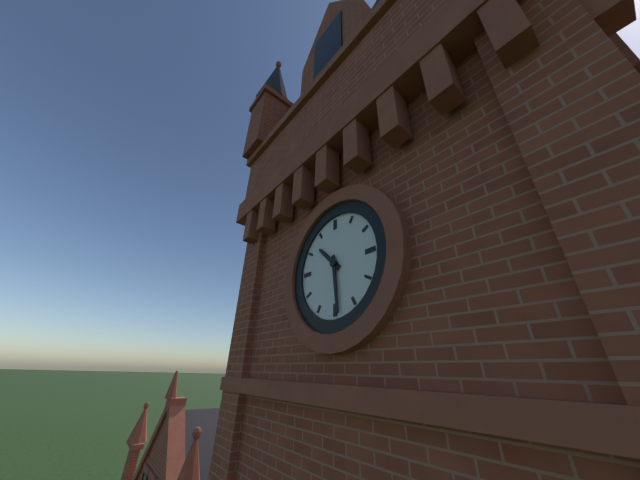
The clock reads {"hour": 10, "minute": 29}
